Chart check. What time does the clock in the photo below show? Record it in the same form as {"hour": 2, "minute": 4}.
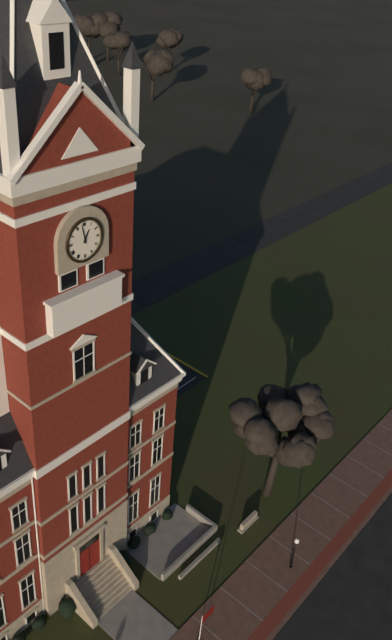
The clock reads {"hour": 12, "minute": 58}
